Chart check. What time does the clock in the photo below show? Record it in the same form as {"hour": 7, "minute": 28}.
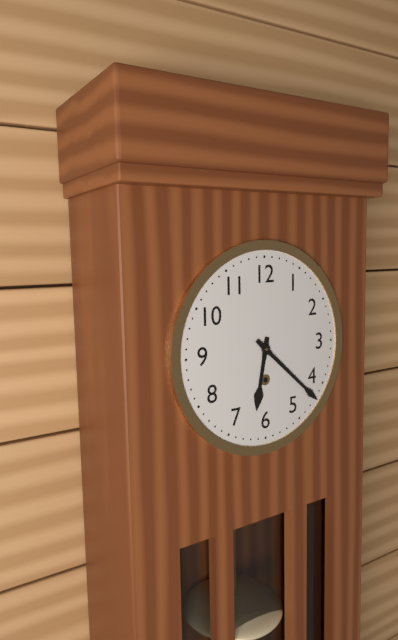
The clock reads {"hour": 6, "minute": 22}
